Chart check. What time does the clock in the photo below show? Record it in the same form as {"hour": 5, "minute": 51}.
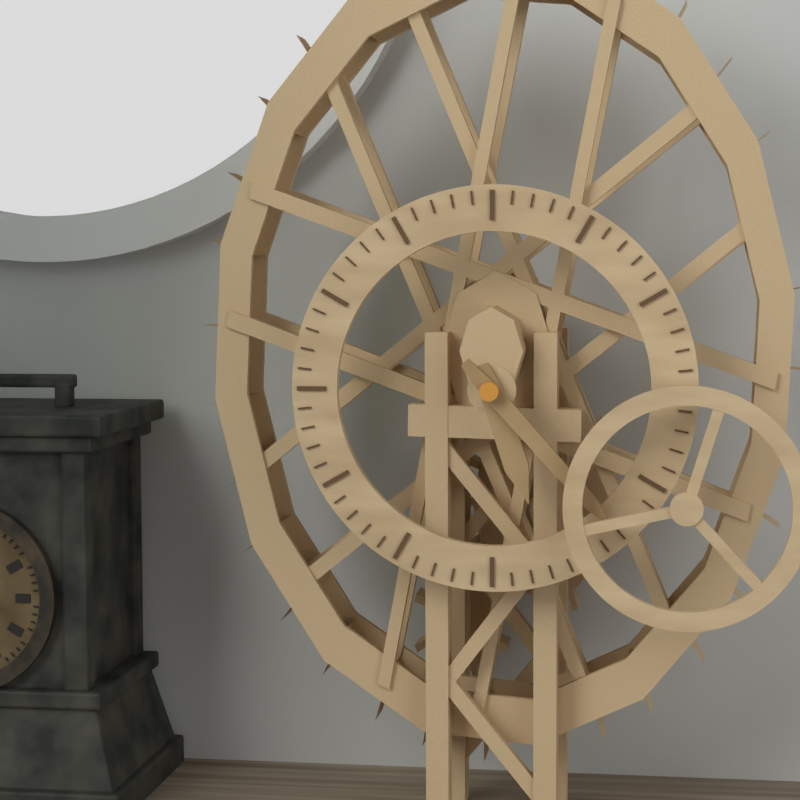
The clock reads {"hour": 5, "minute": 23}
